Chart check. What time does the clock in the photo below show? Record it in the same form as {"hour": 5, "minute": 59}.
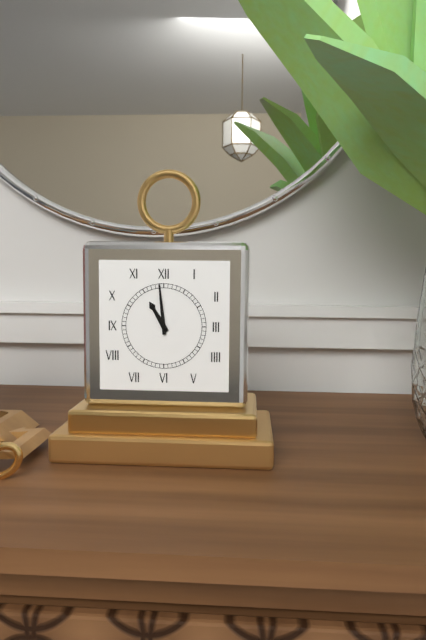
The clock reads {"hour": 10, "minute": 59}
